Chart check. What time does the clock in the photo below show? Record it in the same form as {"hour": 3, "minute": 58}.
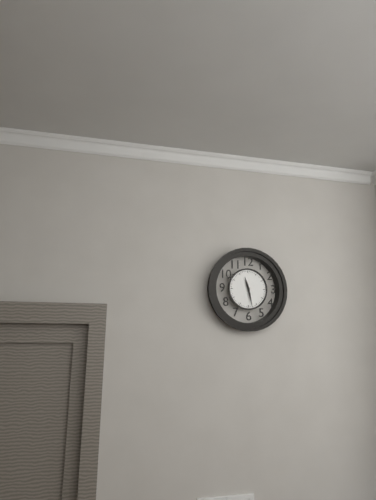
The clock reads {"hour": 11, "minute": 28}
